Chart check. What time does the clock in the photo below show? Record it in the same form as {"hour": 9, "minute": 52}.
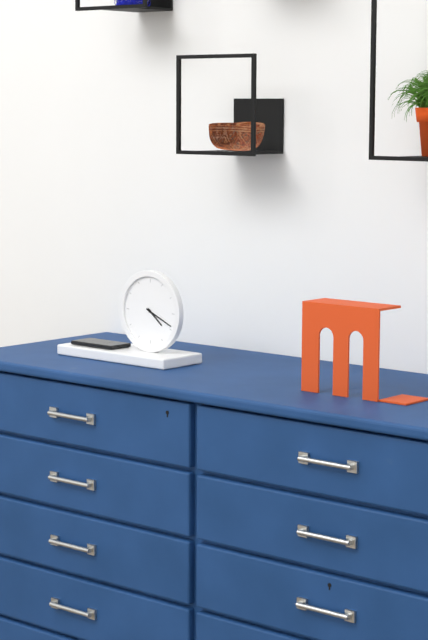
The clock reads {"hour": 4, "minute": 19}
